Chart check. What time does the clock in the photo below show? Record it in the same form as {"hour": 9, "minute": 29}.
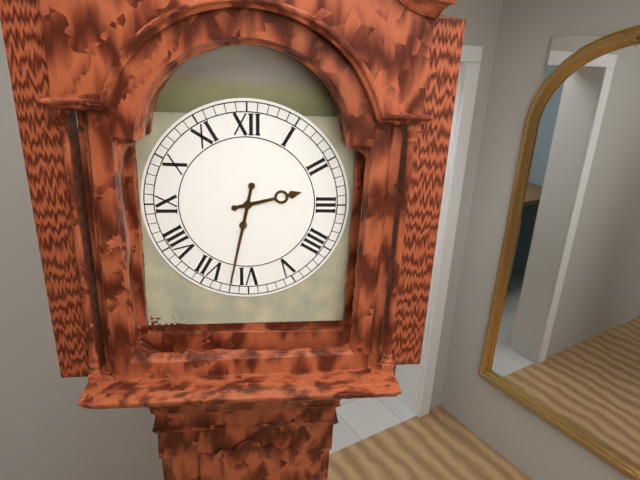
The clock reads {"hour": 2, "minute": 32}
